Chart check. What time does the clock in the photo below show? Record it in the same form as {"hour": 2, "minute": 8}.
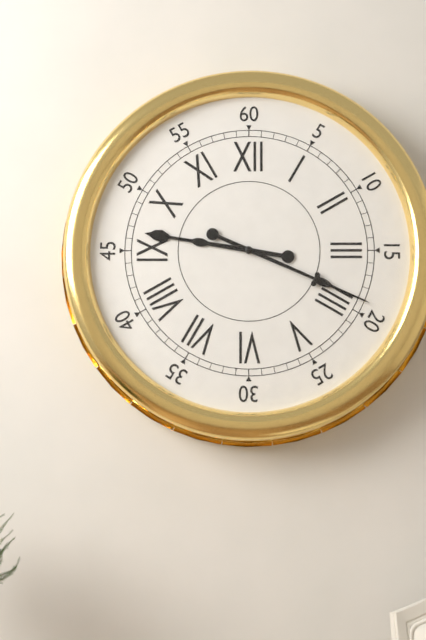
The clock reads {"hour": 9, "minute": 19}
